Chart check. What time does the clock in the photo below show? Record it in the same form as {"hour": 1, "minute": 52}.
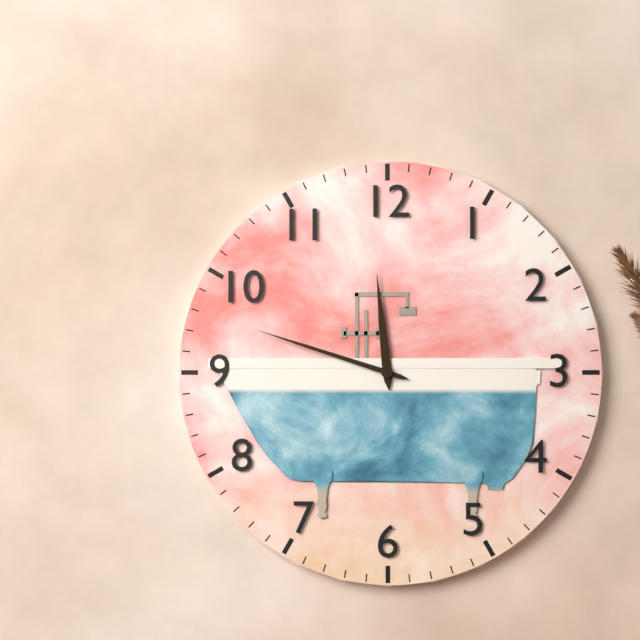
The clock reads {"hour": 11, "minute": 48}
